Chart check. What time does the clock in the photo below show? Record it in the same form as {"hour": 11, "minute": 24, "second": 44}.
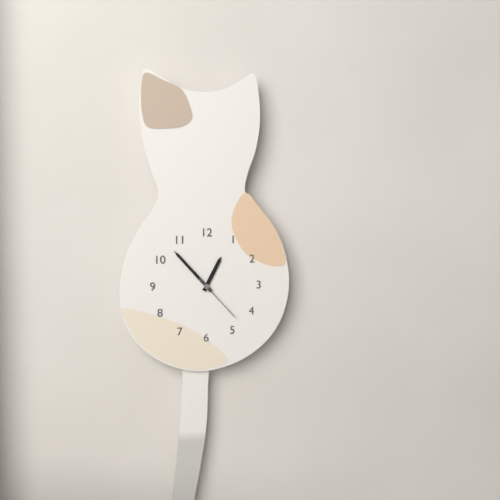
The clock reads {"hour": 12, "minute": 53, "second": 23}
